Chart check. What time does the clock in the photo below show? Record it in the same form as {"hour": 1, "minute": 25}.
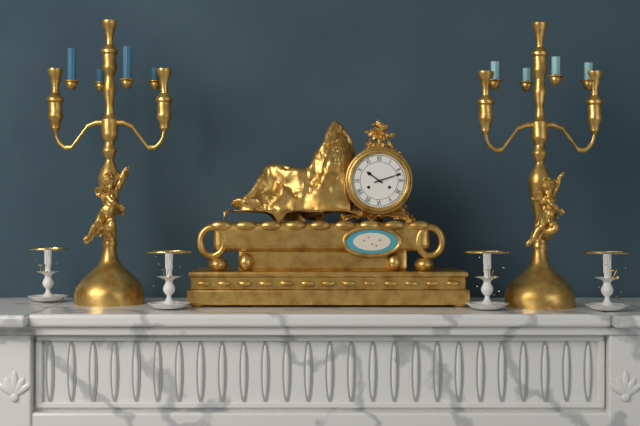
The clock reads {"hour": 10, "minute": 12}
